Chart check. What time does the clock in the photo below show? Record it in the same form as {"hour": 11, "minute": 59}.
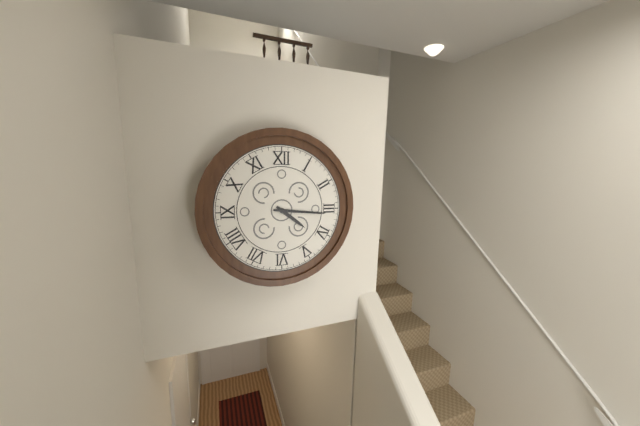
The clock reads {"hour": 4, "minute": 16}
